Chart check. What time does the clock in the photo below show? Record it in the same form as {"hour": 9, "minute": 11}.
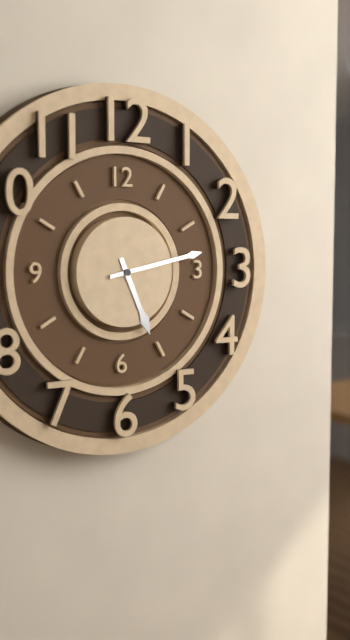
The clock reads {"hour": 5, "minute": 13}
